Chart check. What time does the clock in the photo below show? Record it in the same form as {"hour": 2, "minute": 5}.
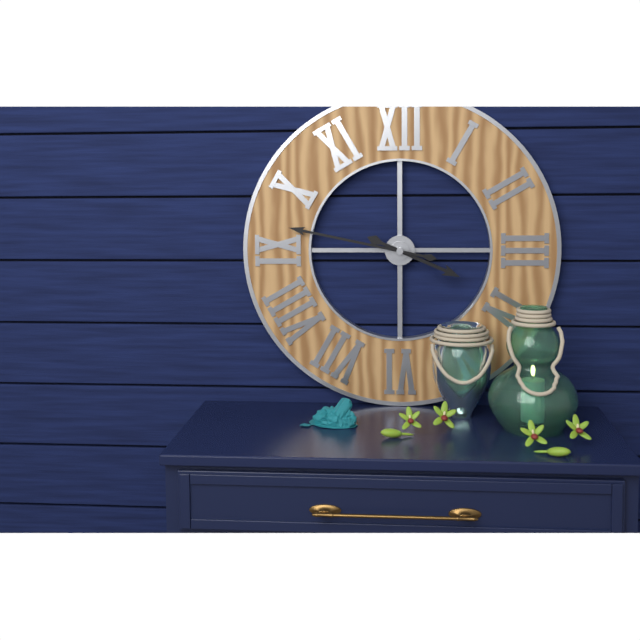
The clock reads {"hour": 3, "minute": 47}
